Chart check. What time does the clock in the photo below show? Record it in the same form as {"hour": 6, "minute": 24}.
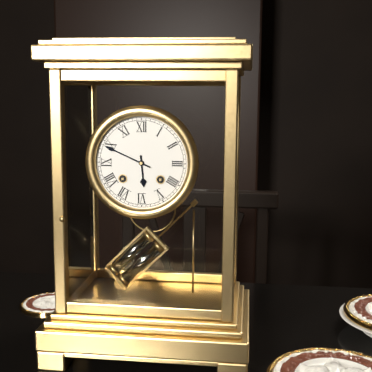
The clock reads {"hour": 5, "minute": 49}
